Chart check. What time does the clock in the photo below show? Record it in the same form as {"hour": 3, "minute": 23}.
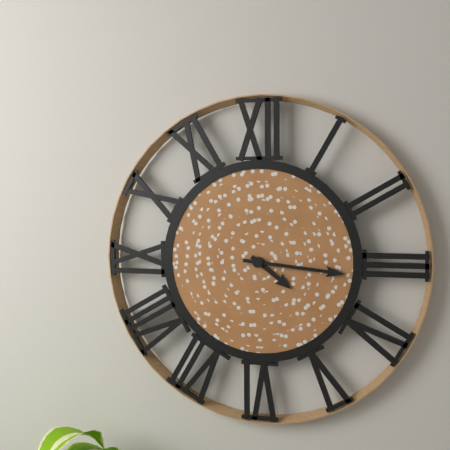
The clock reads {"hour": 4, "minute": 16}
